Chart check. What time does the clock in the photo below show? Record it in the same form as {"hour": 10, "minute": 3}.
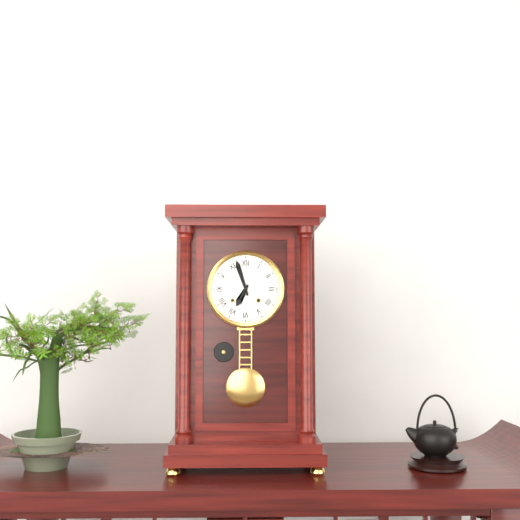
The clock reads {"hour": 6, "minute": 57}
